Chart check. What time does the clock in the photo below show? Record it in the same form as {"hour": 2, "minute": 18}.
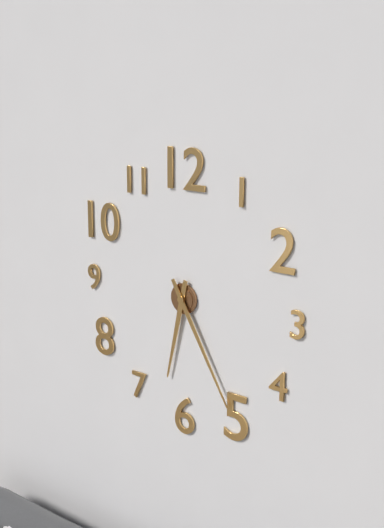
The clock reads {"hour": 6, "minute": 25}
